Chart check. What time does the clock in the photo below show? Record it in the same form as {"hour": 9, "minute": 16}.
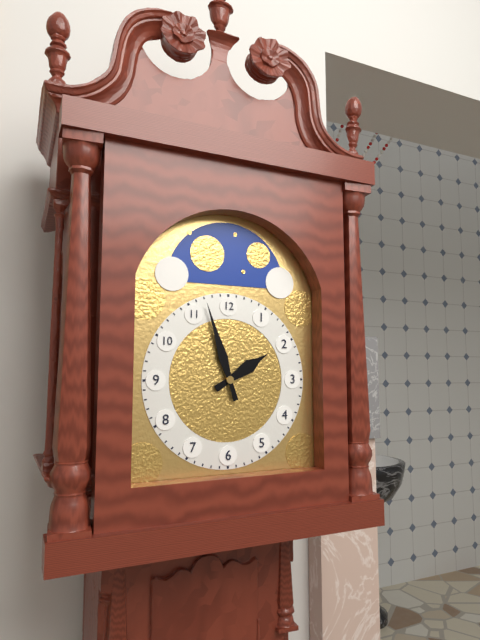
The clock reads {"hour": 1, "minute": 57}
